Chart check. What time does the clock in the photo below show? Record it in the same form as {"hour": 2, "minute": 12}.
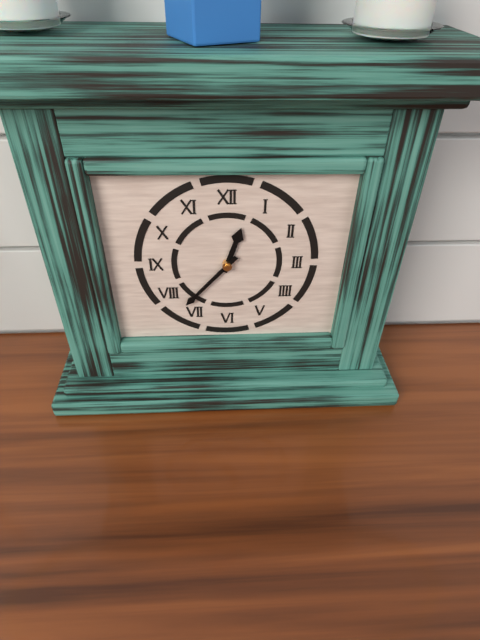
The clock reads {"hour": 12, "minute": 37}
